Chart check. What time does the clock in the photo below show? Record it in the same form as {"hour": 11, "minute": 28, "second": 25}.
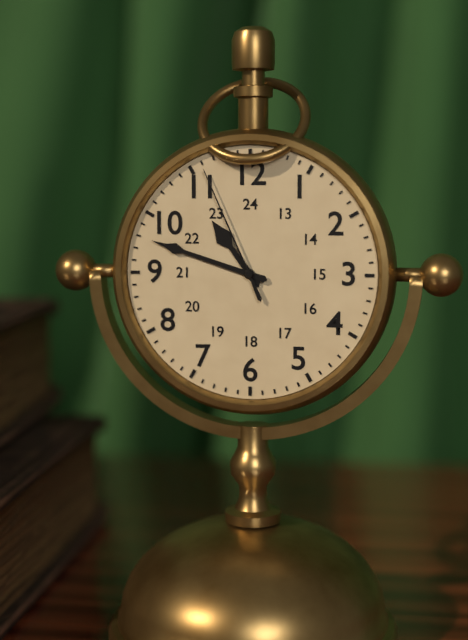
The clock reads {"hour": 10, "minute": 48, "second": 56}
